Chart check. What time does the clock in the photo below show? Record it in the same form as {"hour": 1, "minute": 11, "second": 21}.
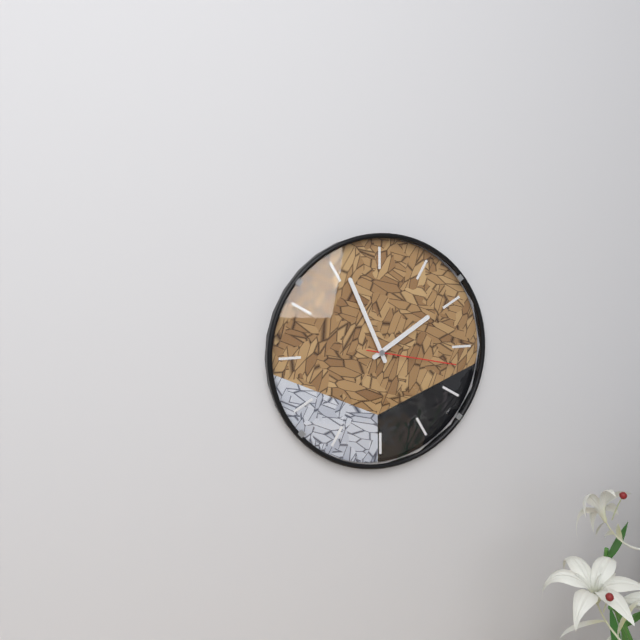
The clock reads {"hour": 1, "minute": 56, "second": 17}
